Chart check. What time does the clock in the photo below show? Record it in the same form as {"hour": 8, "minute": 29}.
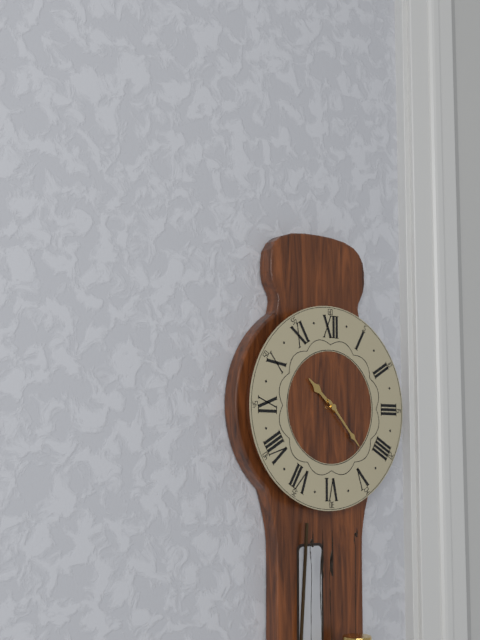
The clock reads {"hour": 10, "minute": 23}
